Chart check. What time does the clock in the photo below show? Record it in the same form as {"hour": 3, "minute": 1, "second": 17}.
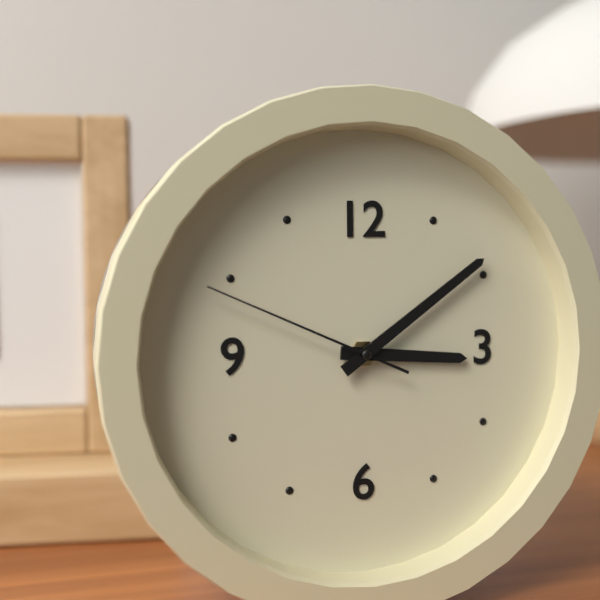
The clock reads {"hour": 3, "minute": 9, "second": 49}
